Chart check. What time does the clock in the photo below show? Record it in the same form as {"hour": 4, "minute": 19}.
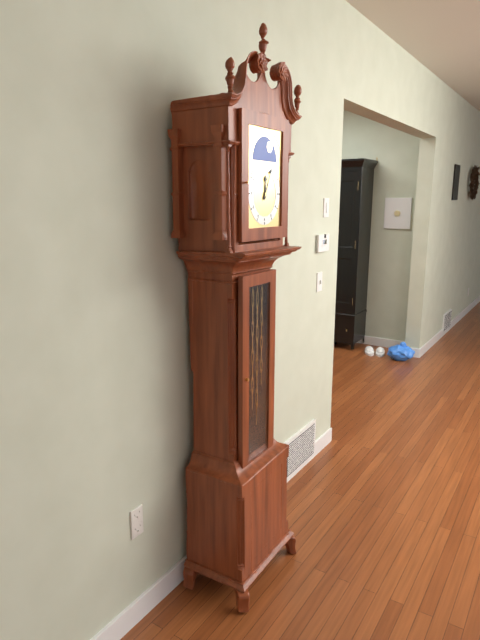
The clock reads {"hour": 12, "minute": 4}
